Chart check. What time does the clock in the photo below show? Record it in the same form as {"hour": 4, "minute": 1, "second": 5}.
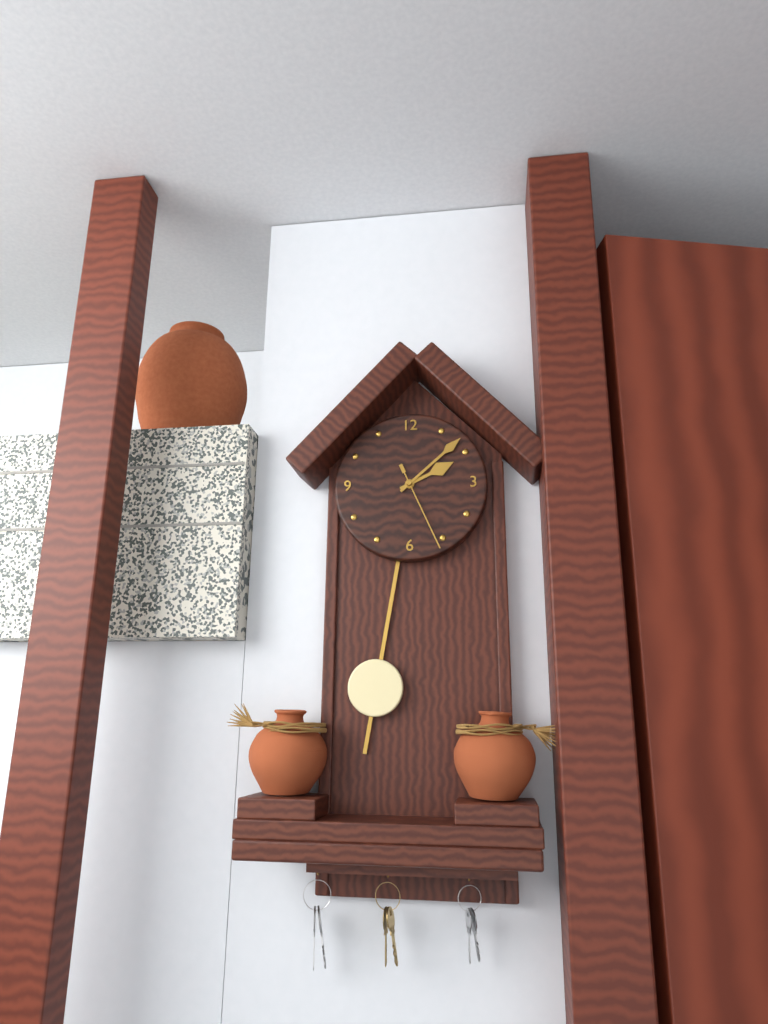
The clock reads {"hour": 2, "minute": 8, "second": 26}
